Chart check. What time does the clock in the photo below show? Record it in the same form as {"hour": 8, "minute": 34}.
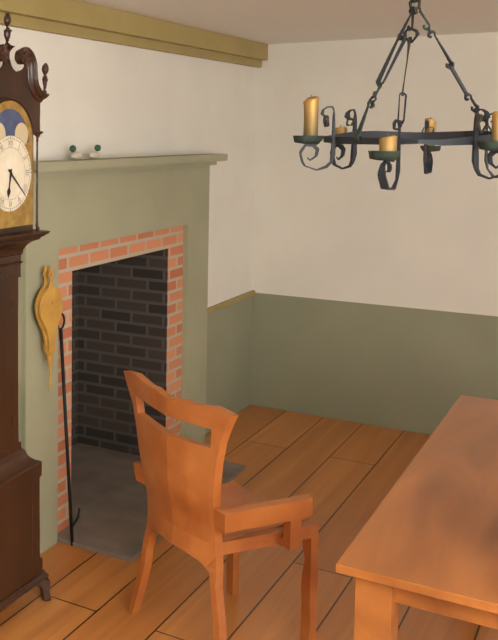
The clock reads {"hour": 6, "minute": 22}
